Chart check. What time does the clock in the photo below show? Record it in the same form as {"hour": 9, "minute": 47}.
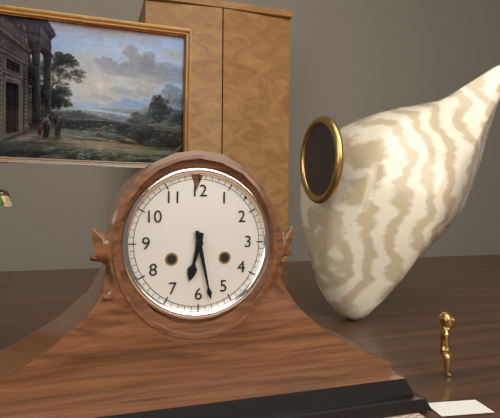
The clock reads {"hour": 6, "minute": 28}
